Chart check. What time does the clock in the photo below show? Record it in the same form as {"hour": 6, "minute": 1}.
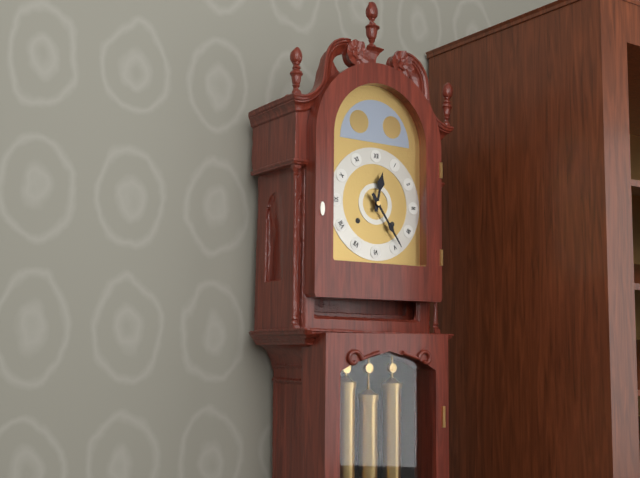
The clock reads {"hour": 12, "minute": 24}
